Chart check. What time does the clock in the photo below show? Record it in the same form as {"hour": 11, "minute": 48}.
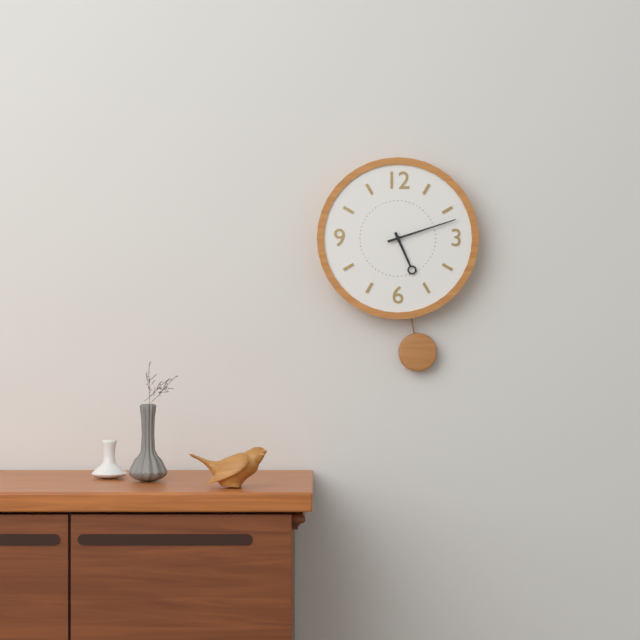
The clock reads {"hour": 5, "minute": 12}
